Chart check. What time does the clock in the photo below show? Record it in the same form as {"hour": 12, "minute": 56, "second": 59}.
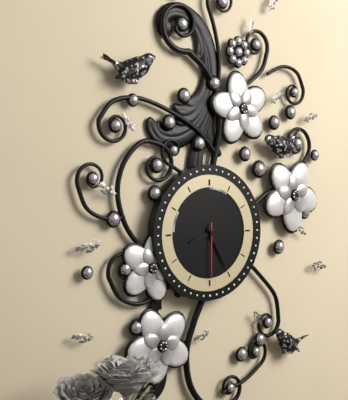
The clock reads {"hour": 8, "minute": 25, "second": 30}
